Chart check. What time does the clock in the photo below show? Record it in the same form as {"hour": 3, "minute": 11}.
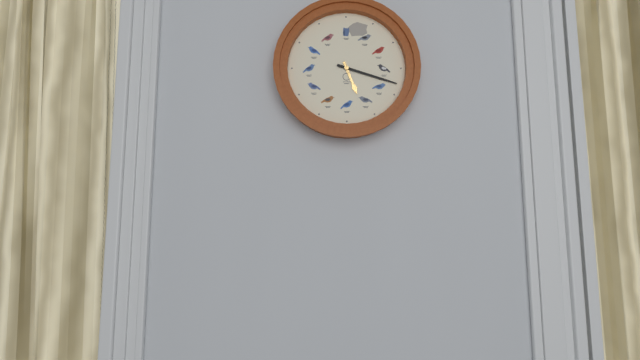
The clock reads {"hour": 5, "minute": 18}
